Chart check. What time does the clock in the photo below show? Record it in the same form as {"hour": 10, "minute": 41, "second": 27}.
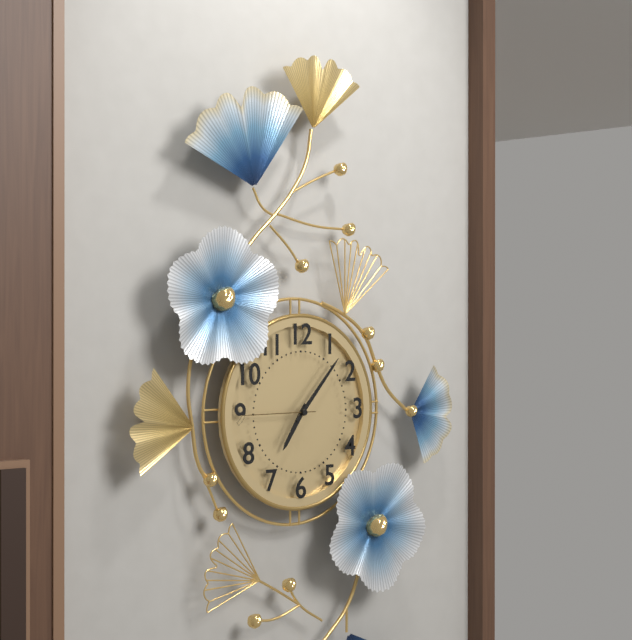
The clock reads {"hour": 7, "minute": 7, "second": 45}
